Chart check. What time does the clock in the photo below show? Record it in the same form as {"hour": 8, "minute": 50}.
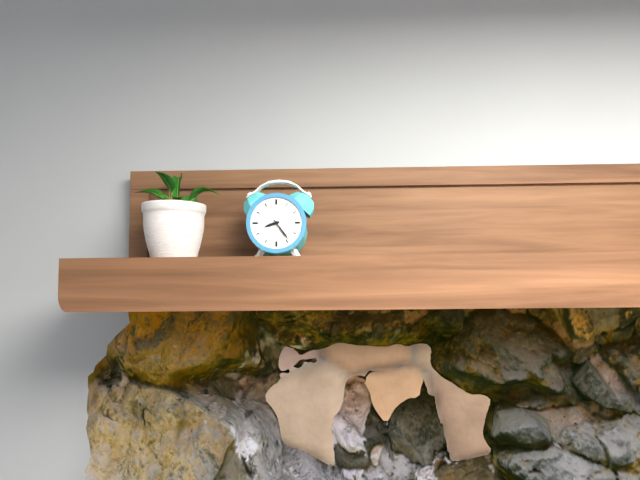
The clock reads {"hour": 8, "minute": 24}
